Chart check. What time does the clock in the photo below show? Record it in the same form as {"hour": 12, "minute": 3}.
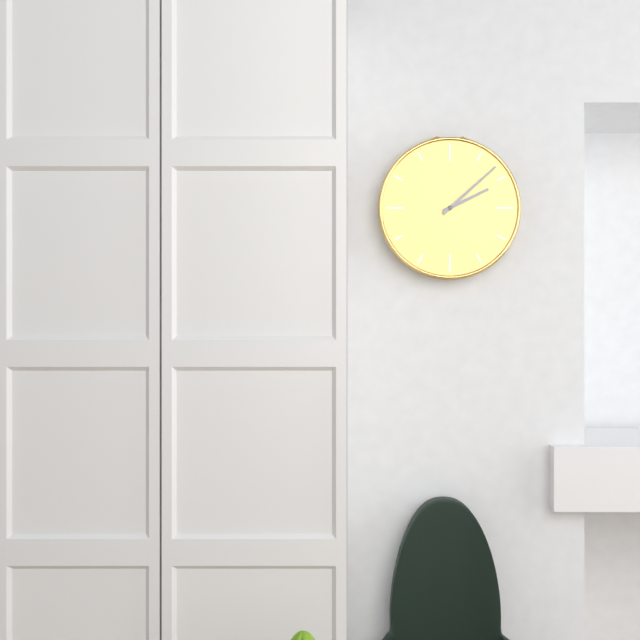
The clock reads {"hour": 2, "minute": 8}
